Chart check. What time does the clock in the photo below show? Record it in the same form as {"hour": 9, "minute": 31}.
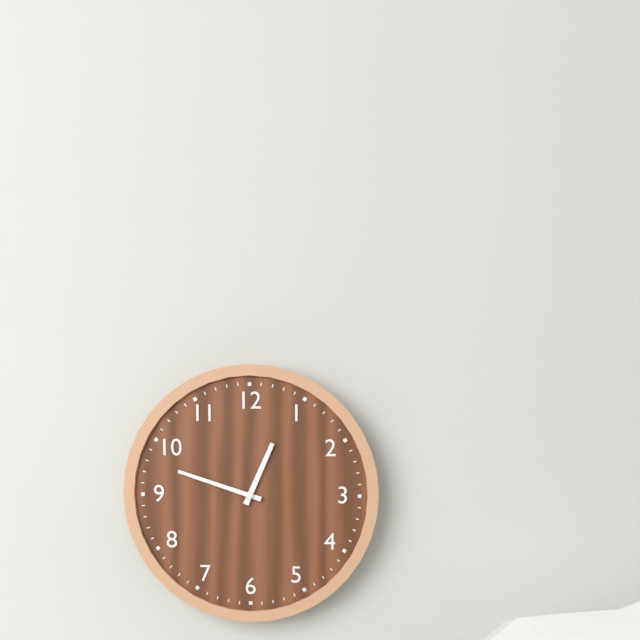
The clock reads {"hour": 12, "minute": 48}
